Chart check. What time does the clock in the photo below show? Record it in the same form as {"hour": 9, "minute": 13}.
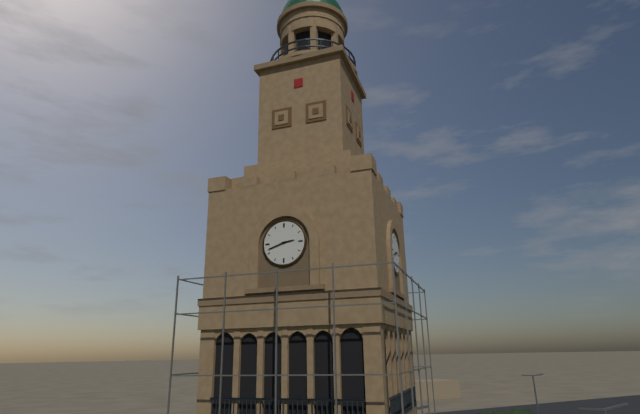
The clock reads {"hour": 2, "minute": 42}
